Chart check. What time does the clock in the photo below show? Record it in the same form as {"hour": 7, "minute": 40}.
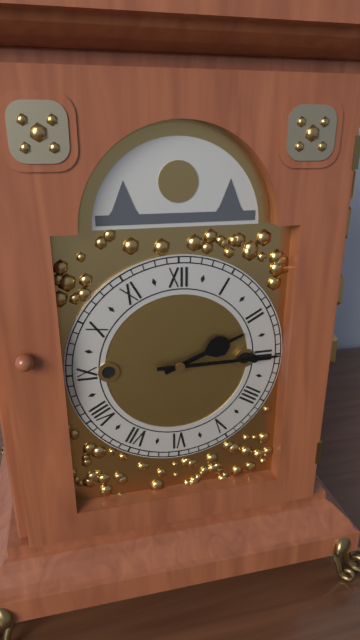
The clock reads {"hour": 2, "minute": 15}
